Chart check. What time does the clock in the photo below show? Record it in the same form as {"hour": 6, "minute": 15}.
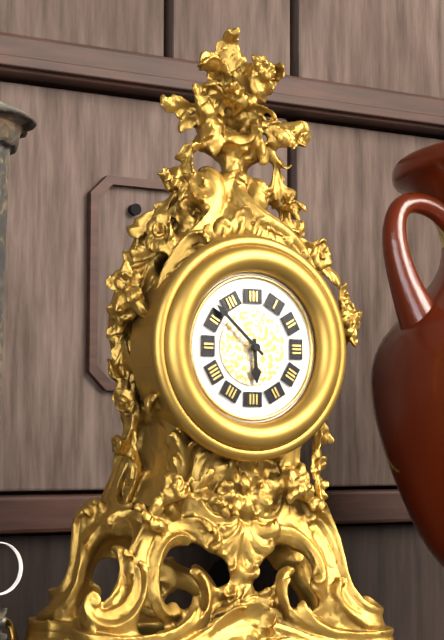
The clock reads {"hour": 5, "minute": 52}
